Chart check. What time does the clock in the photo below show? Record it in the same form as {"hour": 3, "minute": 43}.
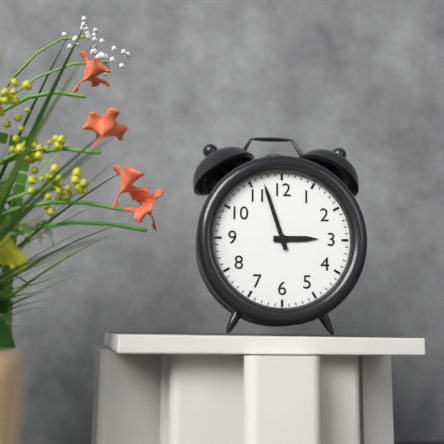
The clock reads {"hour": 2, "minute": 57}
